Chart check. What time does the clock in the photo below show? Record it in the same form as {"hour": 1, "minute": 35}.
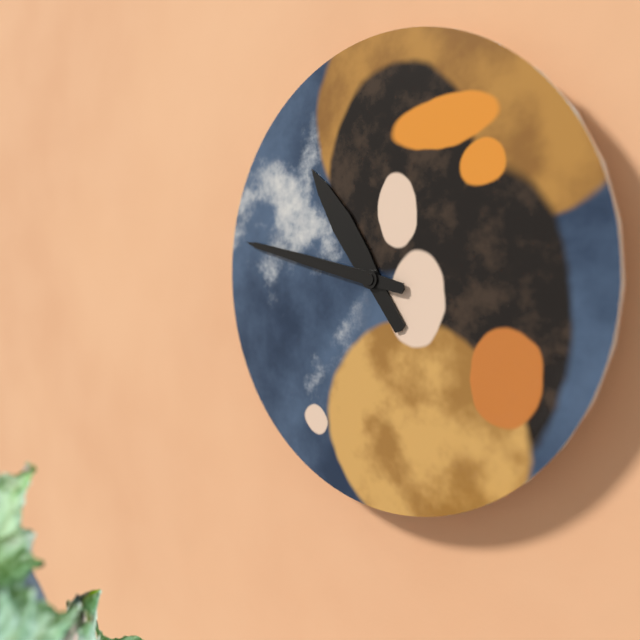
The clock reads {"hour": 10, "minute": 47}
